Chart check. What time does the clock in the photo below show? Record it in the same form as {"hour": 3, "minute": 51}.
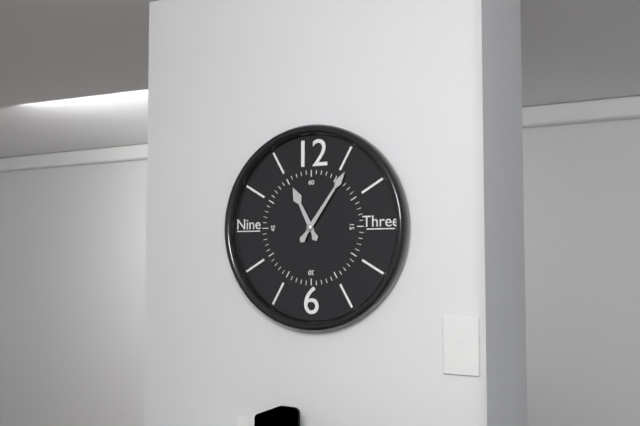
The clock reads {"hour": 11, "minute": 6}
